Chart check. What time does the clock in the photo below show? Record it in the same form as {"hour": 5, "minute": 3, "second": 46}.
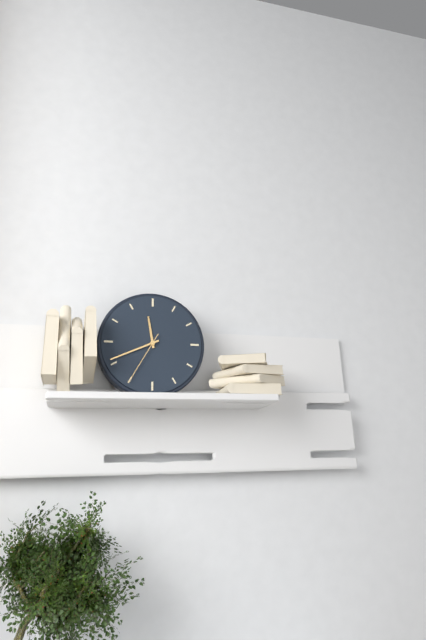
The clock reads {"hour": 11, "minute": 41, "second": 35}
